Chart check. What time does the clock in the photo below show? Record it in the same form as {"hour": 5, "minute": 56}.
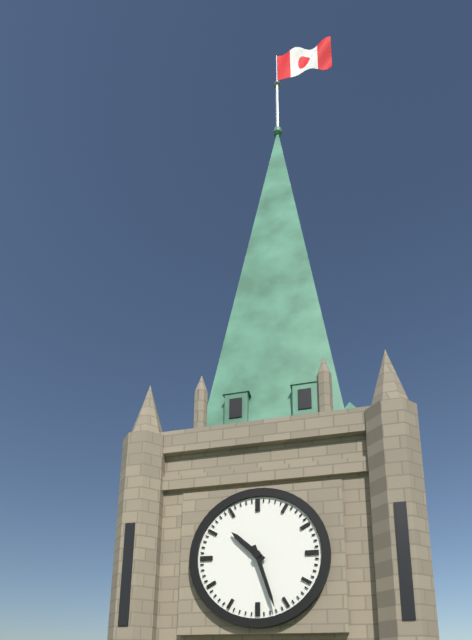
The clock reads {"hour": 10, "minute": 27}
